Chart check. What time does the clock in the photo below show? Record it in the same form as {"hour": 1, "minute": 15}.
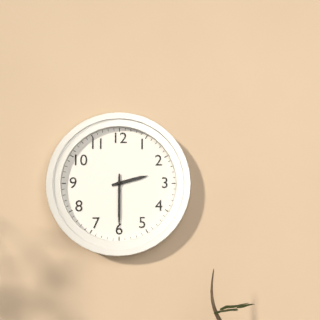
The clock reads {"hour": 2, "minute": 30}
